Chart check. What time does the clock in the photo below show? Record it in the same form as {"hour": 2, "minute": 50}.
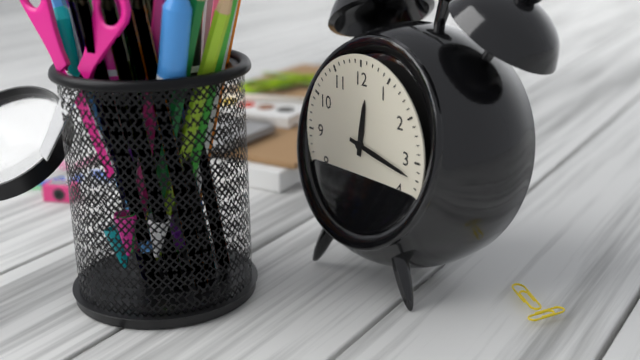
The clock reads {"hour": 12, "minute": 17}
